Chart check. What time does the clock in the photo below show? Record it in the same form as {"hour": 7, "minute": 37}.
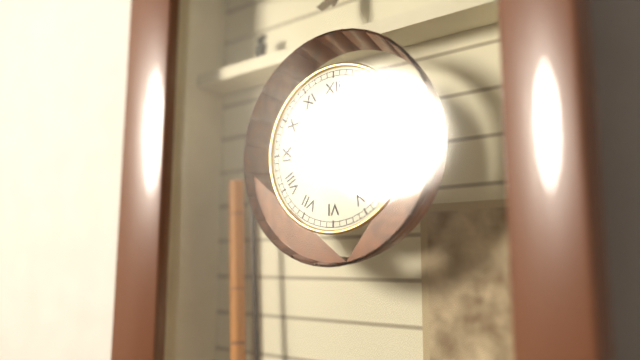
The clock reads {"hour": 10, "minute": 6}
